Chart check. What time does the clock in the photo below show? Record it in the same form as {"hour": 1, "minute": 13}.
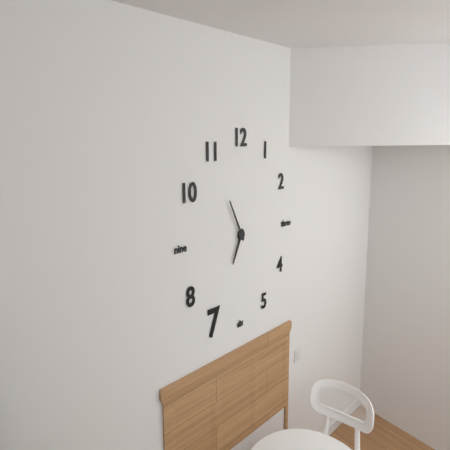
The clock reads {"hour": 6, "minute": 55}
